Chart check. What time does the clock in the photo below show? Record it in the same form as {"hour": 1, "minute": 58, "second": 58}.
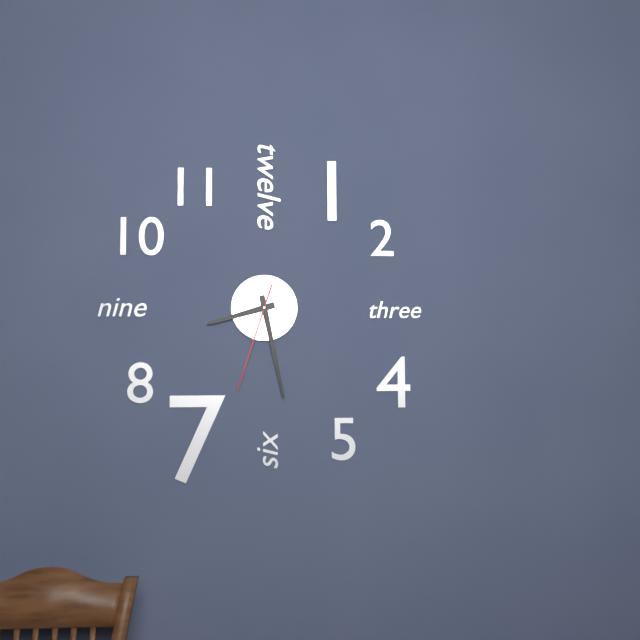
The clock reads {"hour": 8, "minute": 28, "second": 33}
